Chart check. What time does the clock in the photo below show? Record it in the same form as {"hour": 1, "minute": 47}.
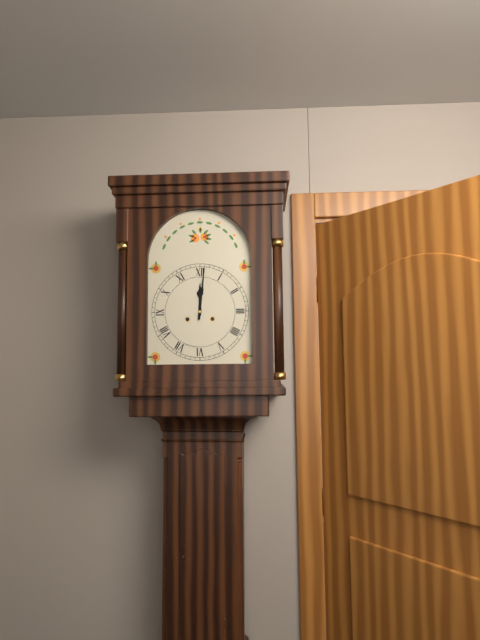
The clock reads {"hour": 12, "minute": 1}
